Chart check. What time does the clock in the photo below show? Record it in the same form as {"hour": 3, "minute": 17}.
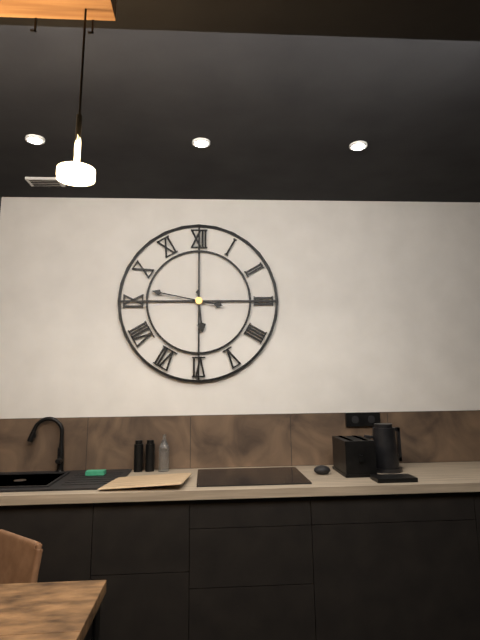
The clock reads {"hour": 5, "minute": 47}
